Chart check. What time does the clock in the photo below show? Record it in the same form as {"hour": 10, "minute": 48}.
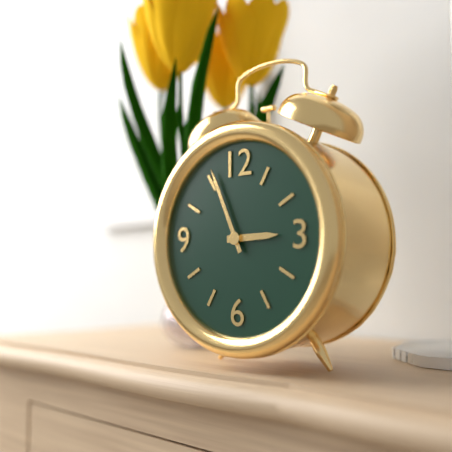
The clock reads {"hour": 2, "minute": 56}
